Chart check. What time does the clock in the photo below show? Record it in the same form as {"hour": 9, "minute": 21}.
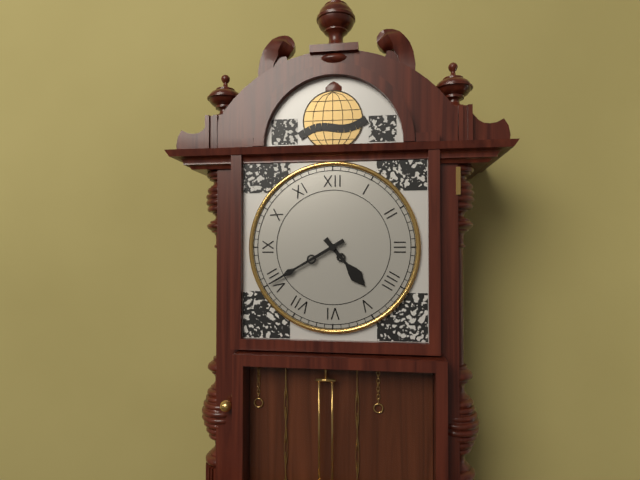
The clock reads {"hour": 4, "minute": 40}
